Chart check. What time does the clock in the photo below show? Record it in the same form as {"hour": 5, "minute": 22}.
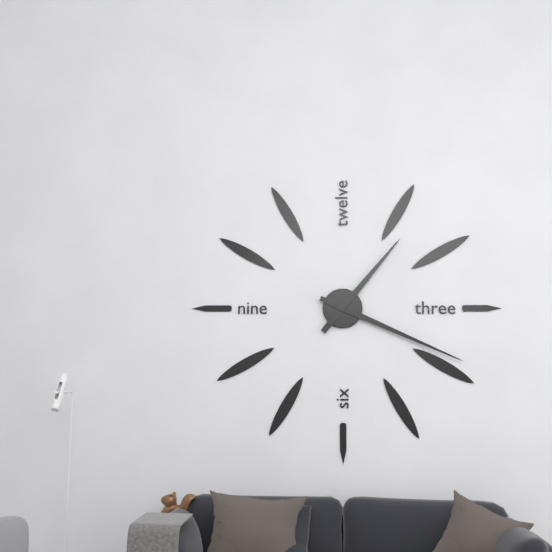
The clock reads {"hour": 1, "minute": 19}
